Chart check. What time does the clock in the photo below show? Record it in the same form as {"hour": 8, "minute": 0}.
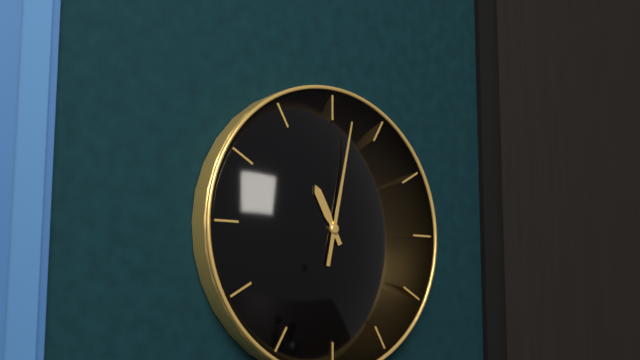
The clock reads {"hour": 11, "minute": 2}
